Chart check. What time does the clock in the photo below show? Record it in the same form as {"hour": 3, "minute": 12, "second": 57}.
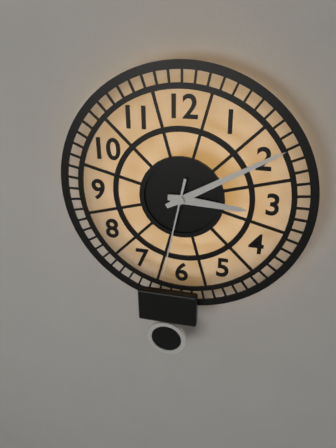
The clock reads {"hour": 3, "minute": 10, "second": 32}
